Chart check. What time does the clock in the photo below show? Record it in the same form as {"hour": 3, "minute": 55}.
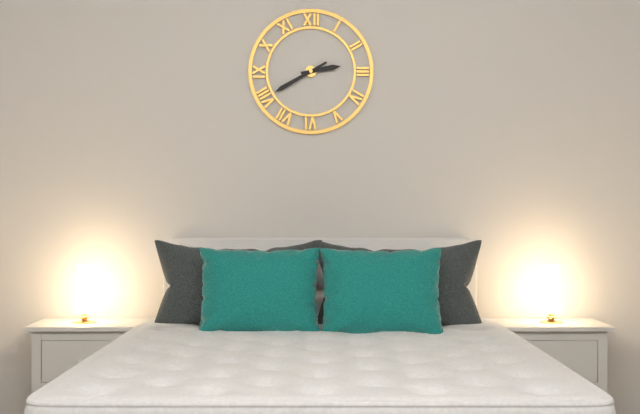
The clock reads {"hour": 2, "minute": 40}
